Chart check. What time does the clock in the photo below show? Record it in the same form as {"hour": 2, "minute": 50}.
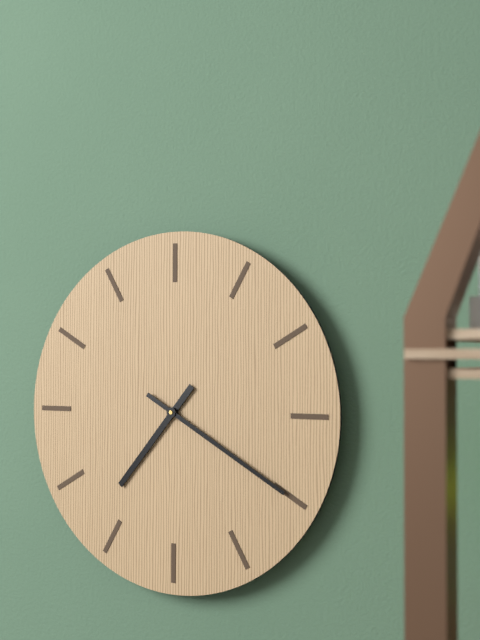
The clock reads {"hour": 7, "minute": 20}
